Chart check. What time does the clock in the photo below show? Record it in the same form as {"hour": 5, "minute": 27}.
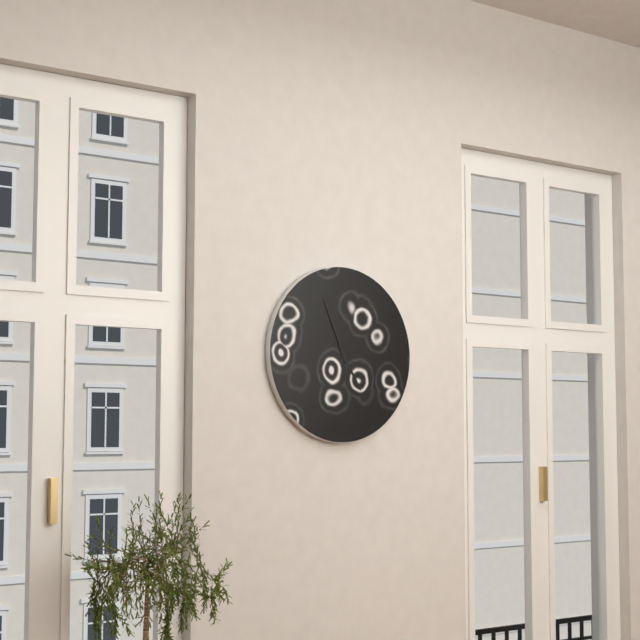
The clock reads {"hour": 4, "minute": 56}
